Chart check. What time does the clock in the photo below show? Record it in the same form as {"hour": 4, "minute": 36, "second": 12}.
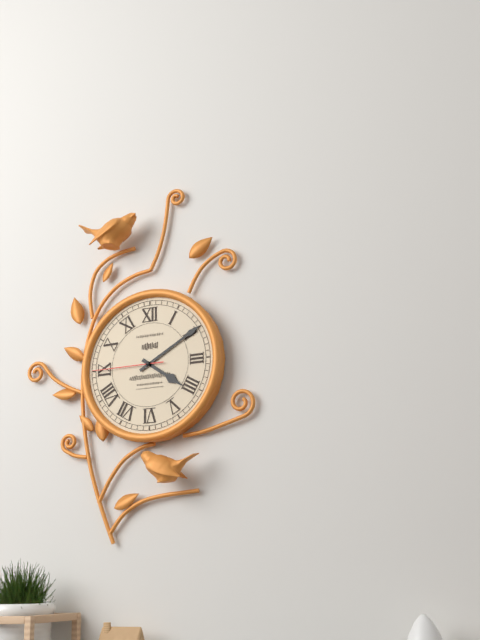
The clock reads {"hour": 4, "minute": 10, "second": 45}
